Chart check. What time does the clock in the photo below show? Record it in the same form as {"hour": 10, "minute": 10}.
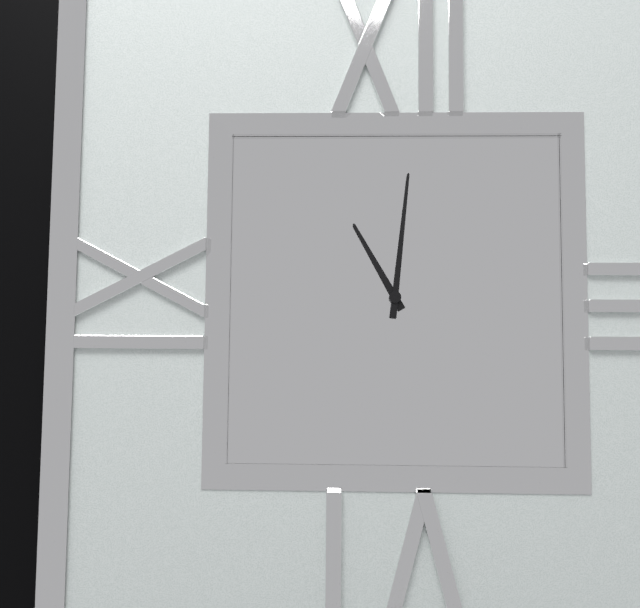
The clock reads {"hour": 11, "minute": 1}
